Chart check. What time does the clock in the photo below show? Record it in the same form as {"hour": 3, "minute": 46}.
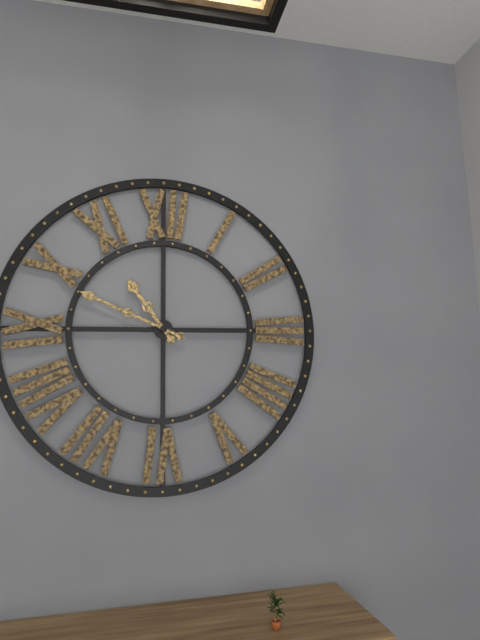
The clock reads {"hour": 10, "minute": 49}
